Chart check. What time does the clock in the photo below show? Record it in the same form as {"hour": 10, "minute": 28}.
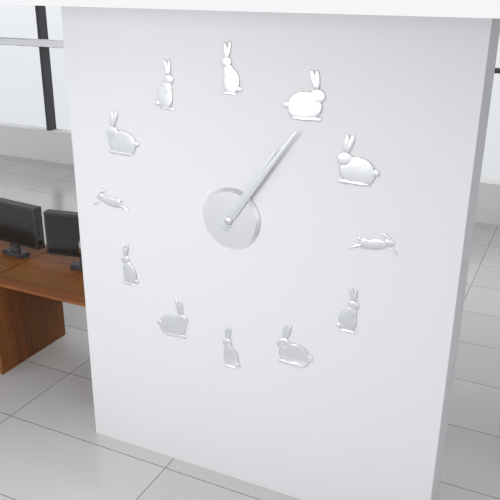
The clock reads {"hour": 1, "minute": 6}
